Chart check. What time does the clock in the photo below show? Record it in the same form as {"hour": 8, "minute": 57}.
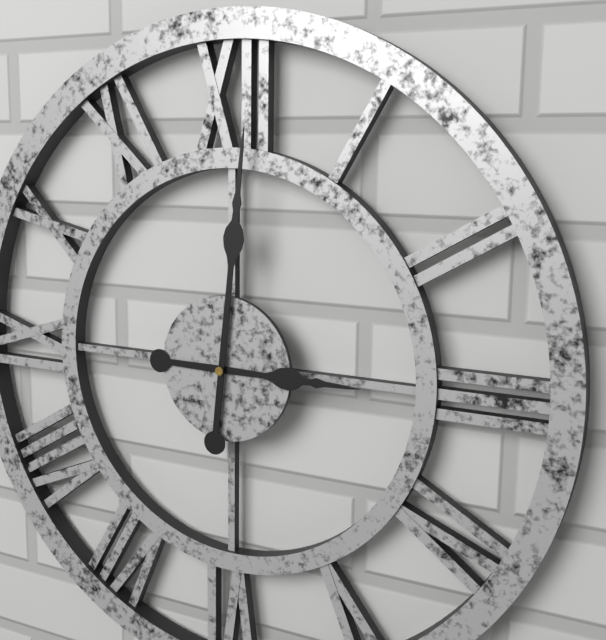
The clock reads {"hour": 3, "minute": 1}
